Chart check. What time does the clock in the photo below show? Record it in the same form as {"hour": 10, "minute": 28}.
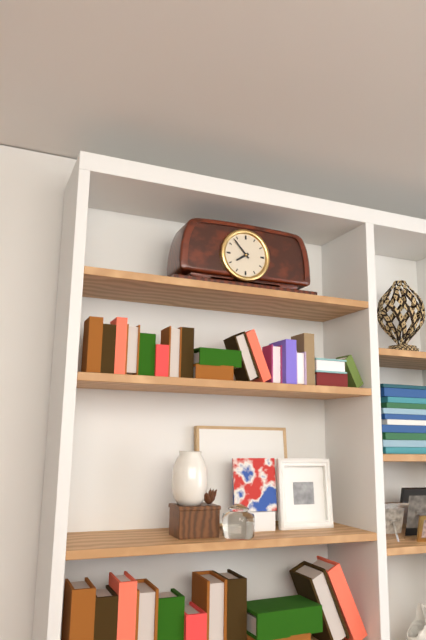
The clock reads {"hour": 7, "minute": 53}
